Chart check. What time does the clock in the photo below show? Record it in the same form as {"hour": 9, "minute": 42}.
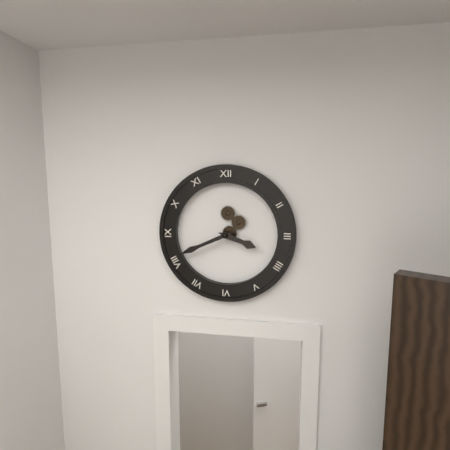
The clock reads {"hour": 3, "minute": 41}
